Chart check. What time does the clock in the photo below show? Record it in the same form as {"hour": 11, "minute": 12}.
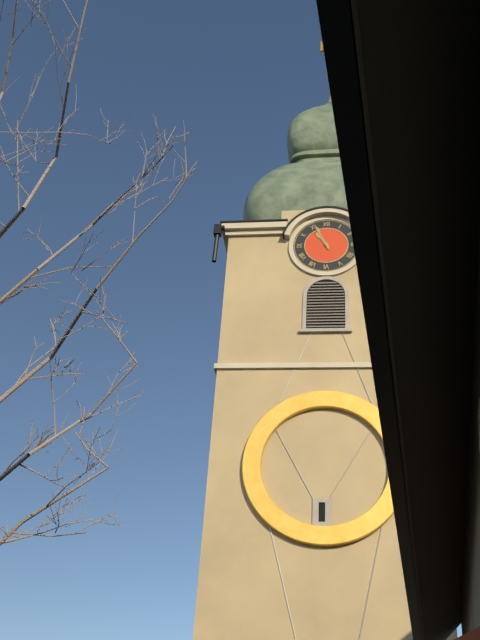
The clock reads {"hour": 10, "minute": 56}
